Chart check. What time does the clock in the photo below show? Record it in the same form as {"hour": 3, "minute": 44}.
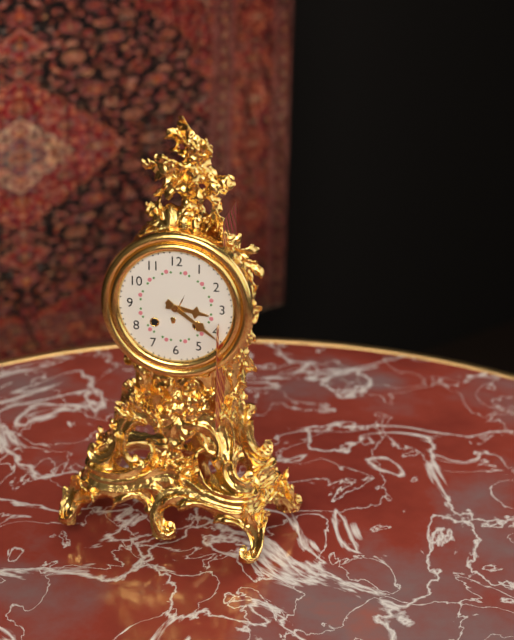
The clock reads {"hour": 3, "minute": 21}
